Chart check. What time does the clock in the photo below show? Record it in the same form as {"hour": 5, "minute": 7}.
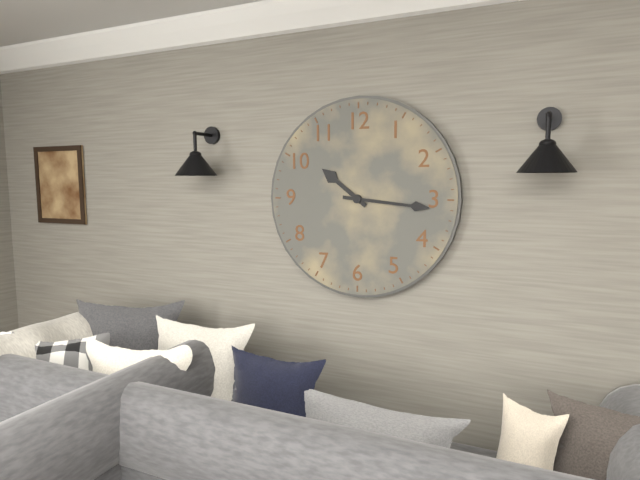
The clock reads {"hour": 10, "minute": 16}
